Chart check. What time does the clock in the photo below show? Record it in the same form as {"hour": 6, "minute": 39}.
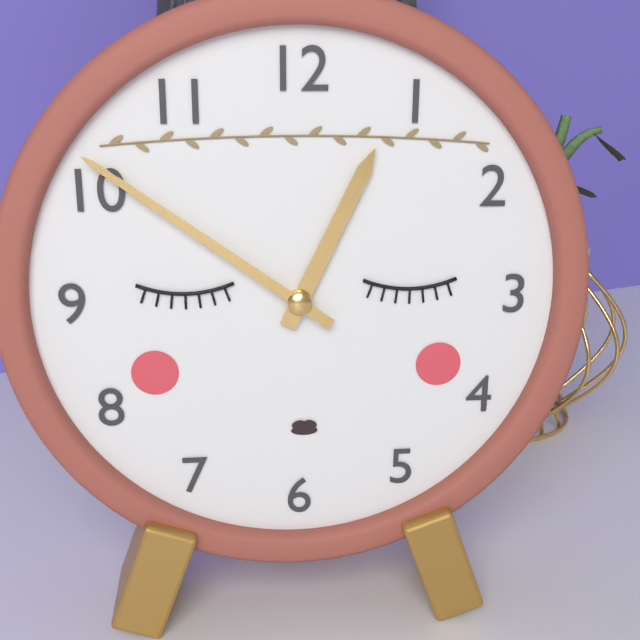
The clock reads {"hour": 12, "minute": 51}
